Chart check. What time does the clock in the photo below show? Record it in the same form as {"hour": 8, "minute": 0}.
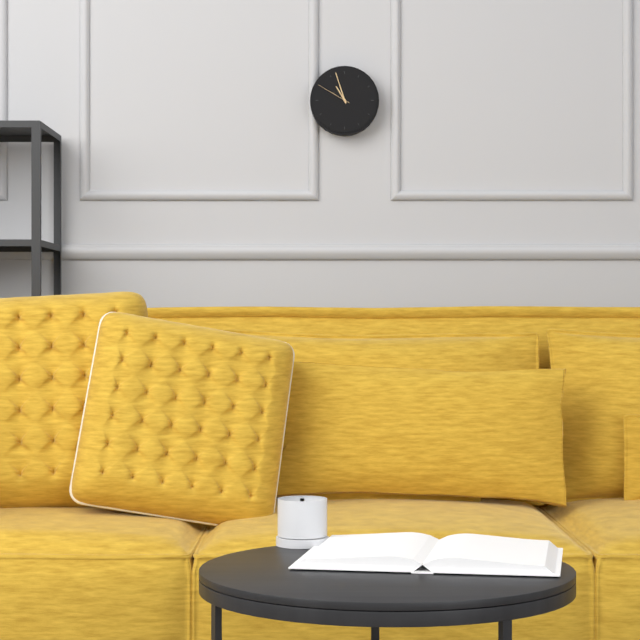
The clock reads {"hour": 10, "minute": 57}
